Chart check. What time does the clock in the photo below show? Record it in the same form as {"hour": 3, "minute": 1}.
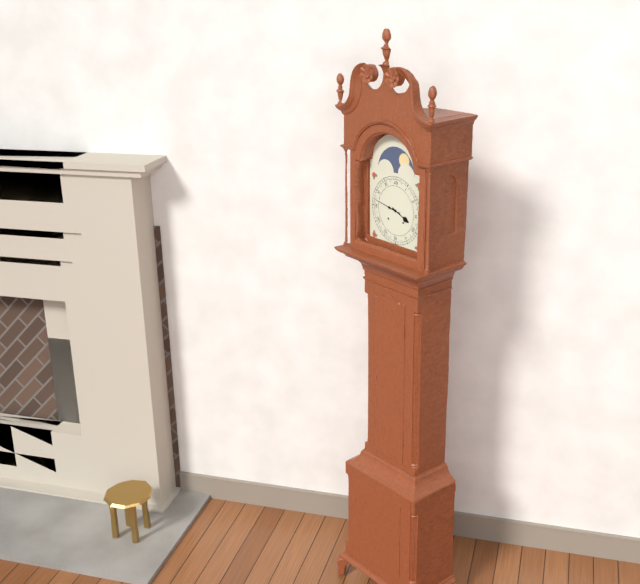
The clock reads {"hour": 3, "minute": 47}
